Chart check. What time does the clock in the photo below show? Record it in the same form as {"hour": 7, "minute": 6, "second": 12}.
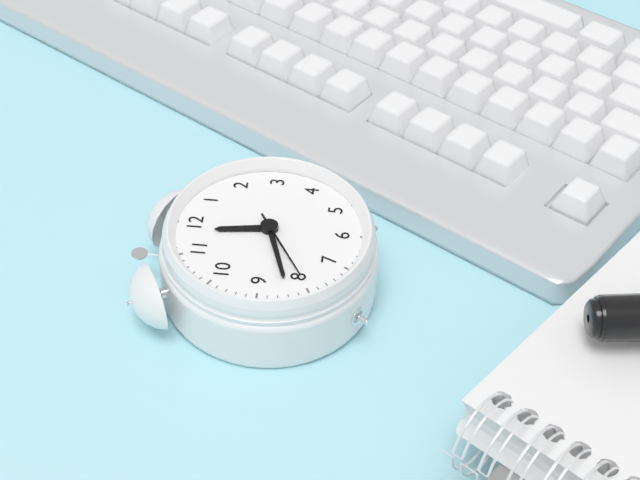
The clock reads {"hour": 11, "minute": 42, "second": 40}
